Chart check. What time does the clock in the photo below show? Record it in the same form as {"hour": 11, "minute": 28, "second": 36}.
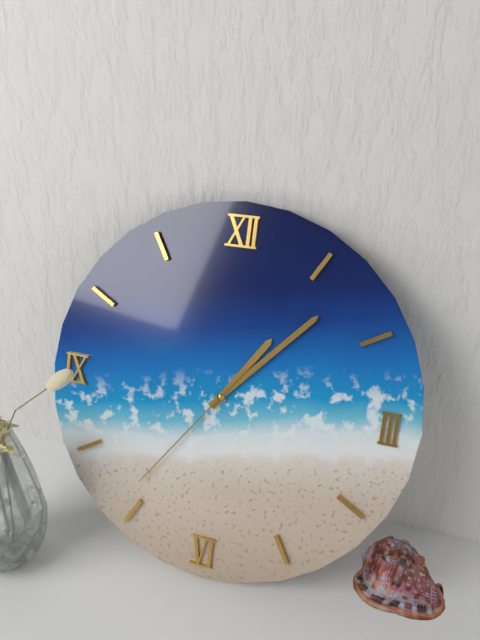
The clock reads {"hour": 1, "minute": 7, "second": 36}
